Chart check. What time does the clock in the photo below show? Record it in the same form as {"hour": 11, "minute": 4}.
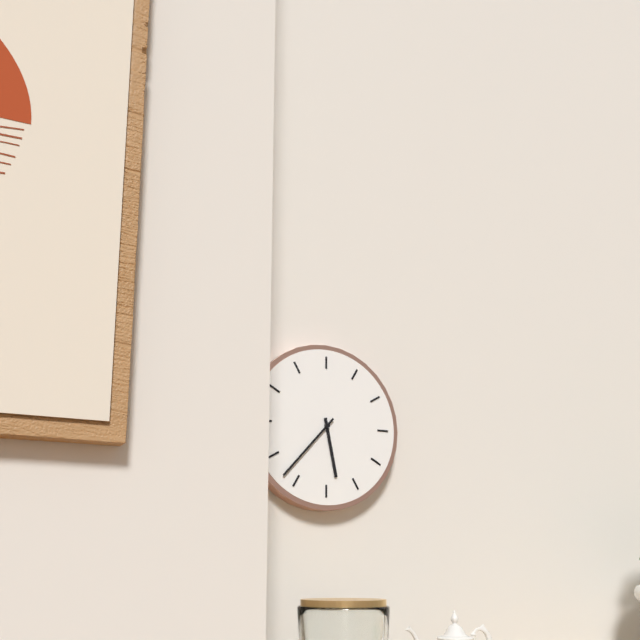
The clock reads {"hour": 5, "minute": 37}
